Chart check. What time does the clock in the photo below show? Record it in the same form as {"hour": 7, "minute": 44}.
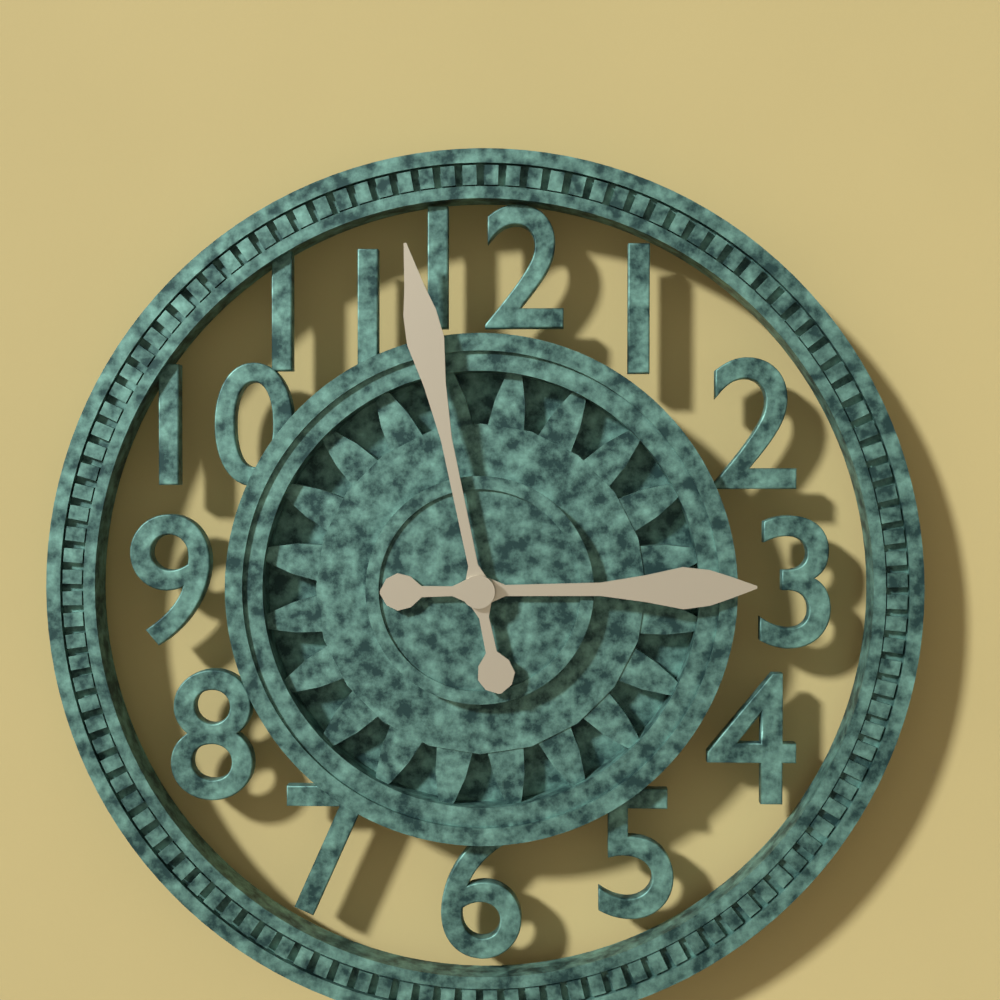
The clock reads {"hour": 2, "minute": 58}
